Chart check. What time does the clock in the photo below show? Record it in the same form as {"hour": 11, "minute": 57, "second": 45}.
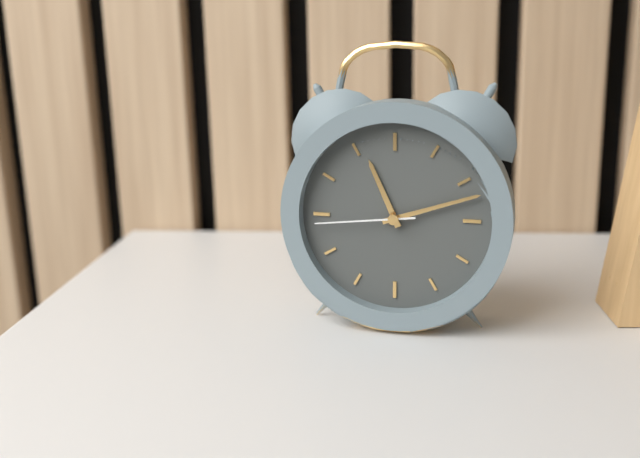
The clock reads {"hour": 11, "minute": 12, "second": 44}
